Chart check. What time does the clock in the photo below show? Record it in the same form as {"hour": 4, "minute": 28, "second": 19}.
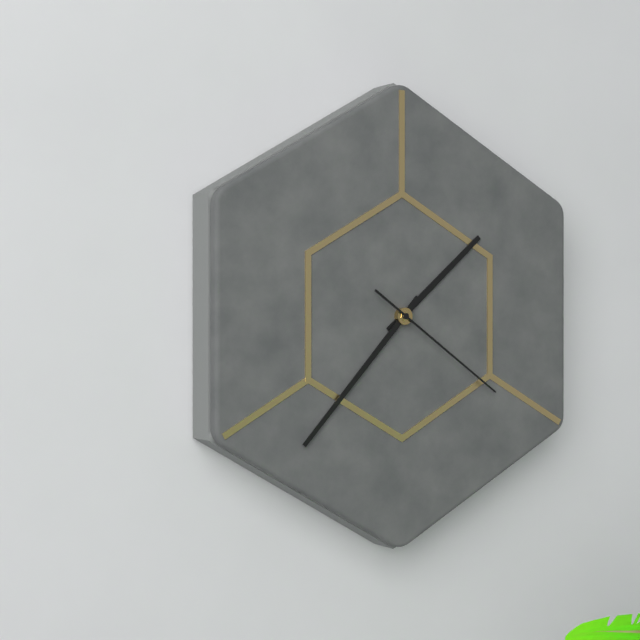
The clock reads {"hour": 1, "minute": 37, "second": 21}
